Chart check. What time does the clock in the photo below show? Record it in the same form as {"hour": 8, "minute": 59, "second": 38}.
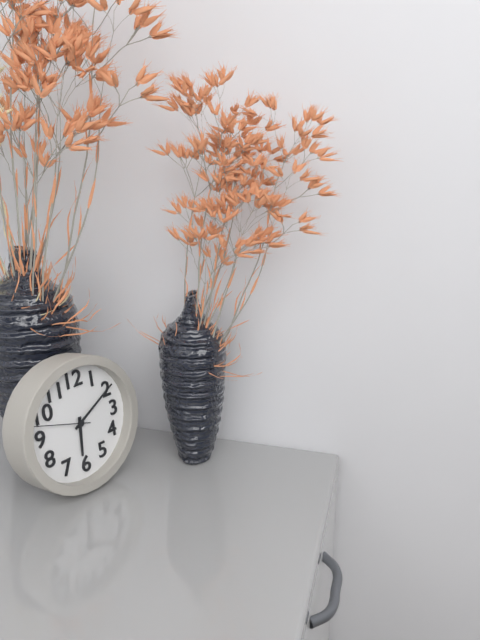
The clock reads {"hour": 6, "minute": 10, "second": 48}
